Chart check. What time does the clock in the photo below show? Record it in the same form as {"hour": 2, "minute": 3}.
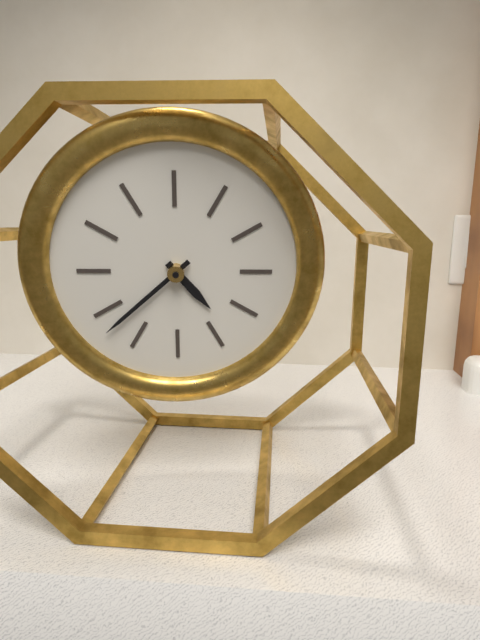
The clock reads {"hour": 4, "minute": 38}
